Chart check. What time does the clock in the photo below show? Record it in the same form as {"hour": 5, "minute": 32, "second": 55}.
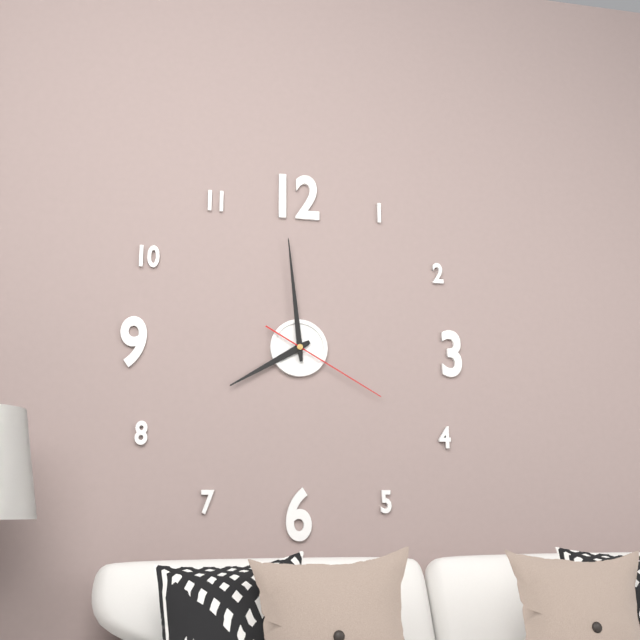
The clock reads {"hour": 7, "minute": 59, "second": 20}
